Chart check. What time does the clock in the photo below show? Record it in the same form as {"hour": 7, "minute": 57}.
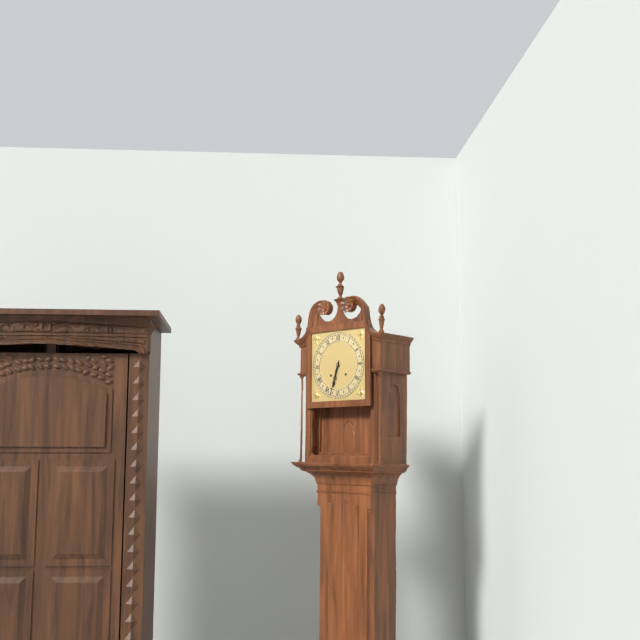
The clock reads {"hour": 6, "minute": 33}
